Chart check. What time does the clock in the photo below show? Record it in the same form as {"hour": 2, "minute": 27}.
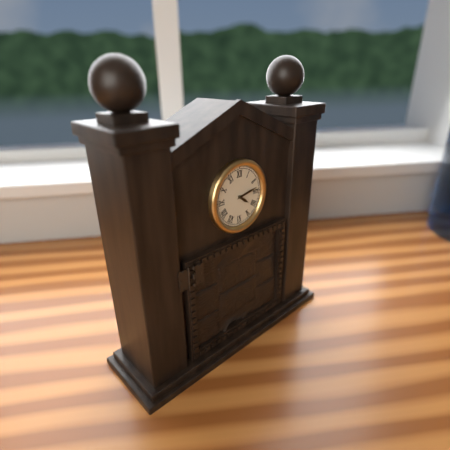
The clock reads {"hour": 4, "minute": 13}
